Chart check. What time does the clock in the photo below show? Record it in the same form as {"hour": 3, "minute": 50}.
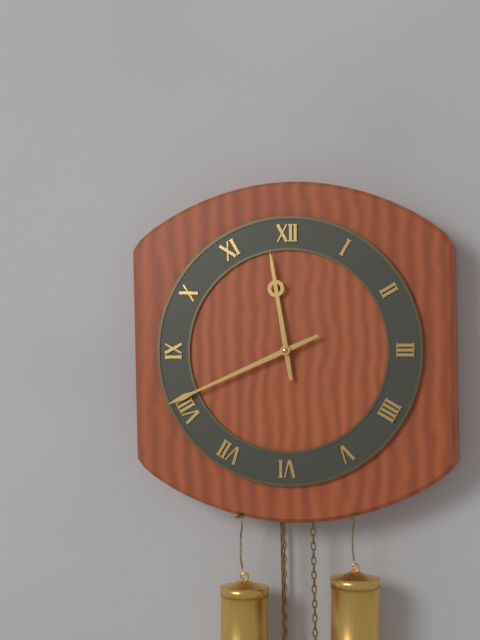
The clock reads {"hour": 11, "minute": 41}
